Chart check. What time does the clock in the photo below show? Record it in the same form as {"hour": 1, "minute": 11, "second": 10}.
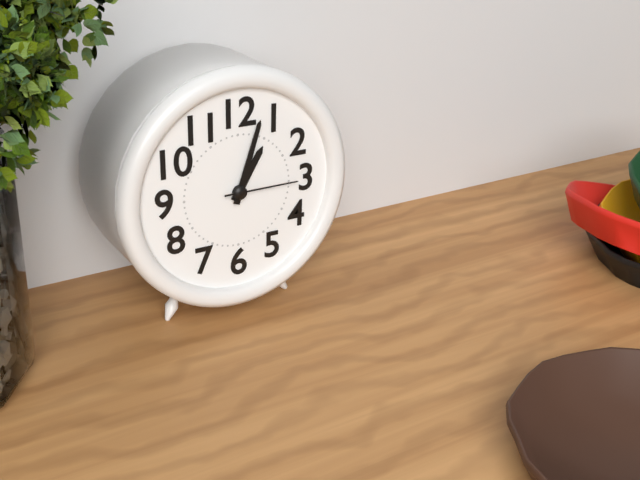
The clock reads {"hour": 1, "minute": 3, "second": 15}
